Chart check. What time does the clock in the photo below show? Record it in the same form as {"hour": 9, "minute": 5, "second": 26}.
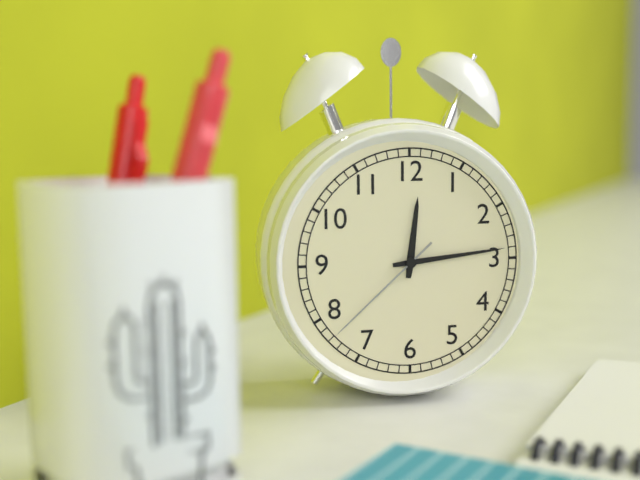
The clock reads {"hour": 12, "minute": 14, "second": 38}
